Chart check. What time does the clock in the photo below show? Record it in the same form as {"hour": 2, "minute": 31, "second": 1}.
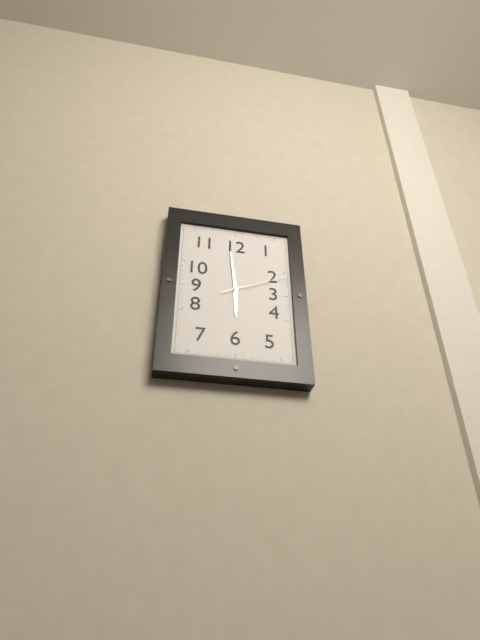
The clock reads {"hour": 5, "minute": 59, "second": 11}
